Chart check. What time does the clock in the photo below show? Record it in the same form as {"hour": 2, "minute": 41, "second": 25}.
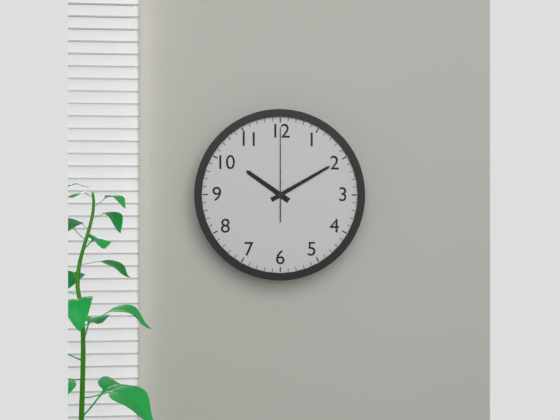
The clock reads {"hour": 10, "minute": 10, "second": 0}
